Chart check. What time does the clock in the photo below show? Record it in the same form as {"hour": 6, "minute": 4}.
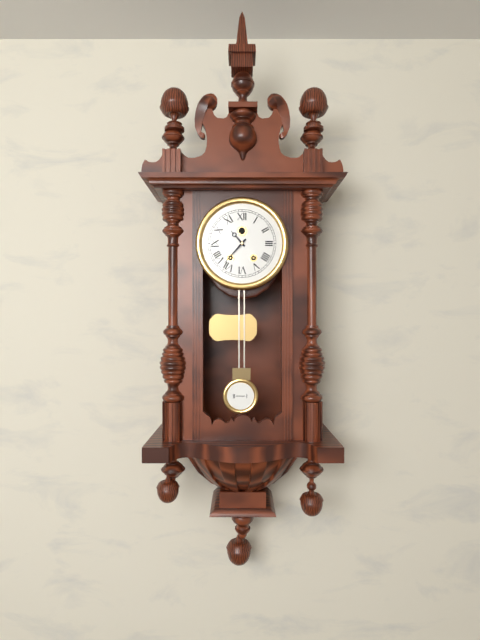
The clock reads {"hour": 10, "minute": 37}
